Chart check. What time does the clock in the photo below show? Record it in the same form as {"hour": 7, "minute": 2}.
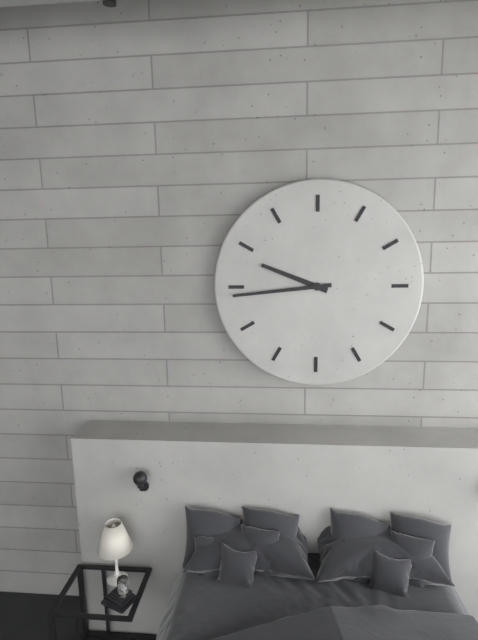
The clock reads {"hour": 9, "minute": 44}
